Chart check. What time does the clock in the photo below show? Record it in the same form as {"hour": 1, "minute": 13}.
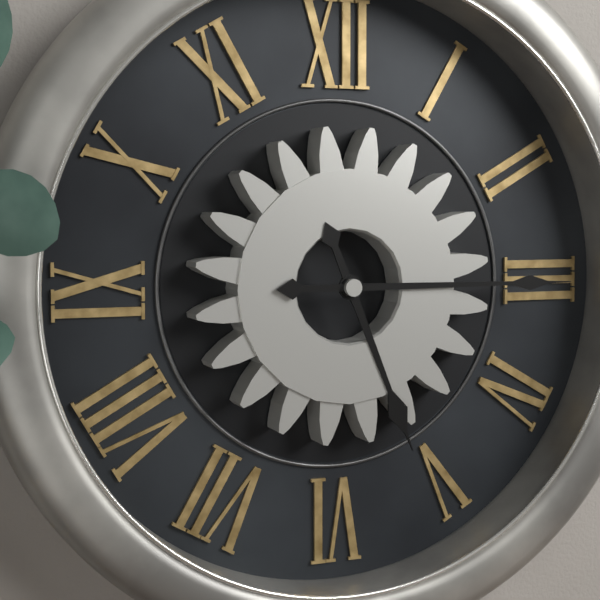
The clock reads {"hour": 5, "minute": 15}
